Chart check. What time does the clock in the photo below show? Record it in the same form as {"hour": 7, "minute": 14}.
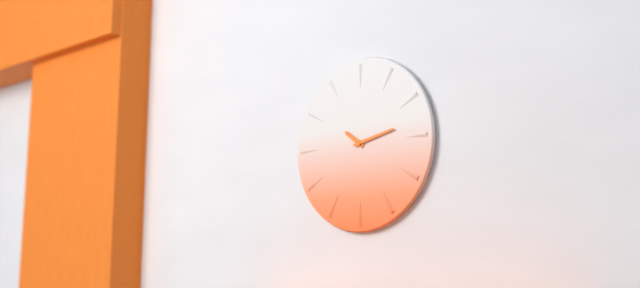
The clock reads {"hour": 10, "minute": 13}
